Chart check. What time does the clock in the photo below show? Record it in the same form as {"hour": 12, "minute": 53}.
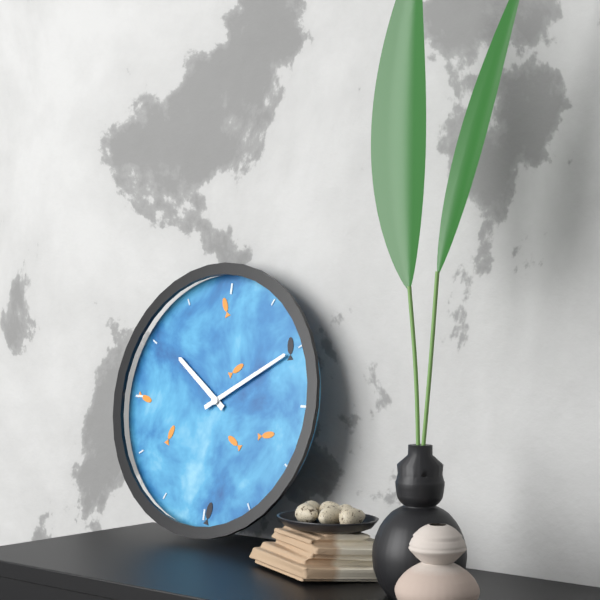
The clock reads {"hour": 10, "minute": 10}
